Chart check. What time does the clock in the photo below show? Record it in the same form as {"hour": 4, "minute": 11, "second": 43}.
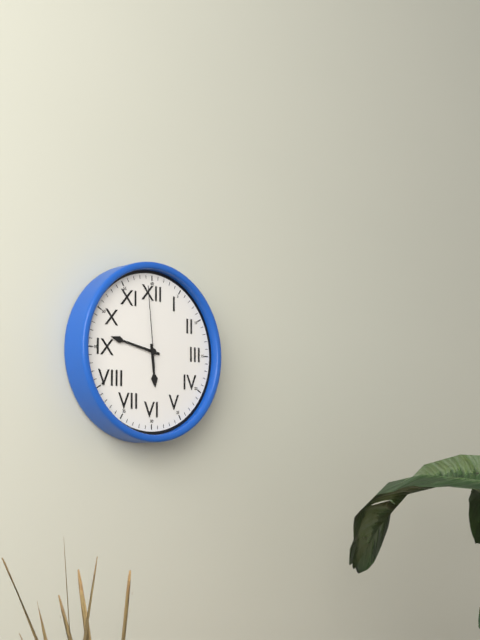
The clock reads {"hour": 5, "minute": 47, "second": 59}
